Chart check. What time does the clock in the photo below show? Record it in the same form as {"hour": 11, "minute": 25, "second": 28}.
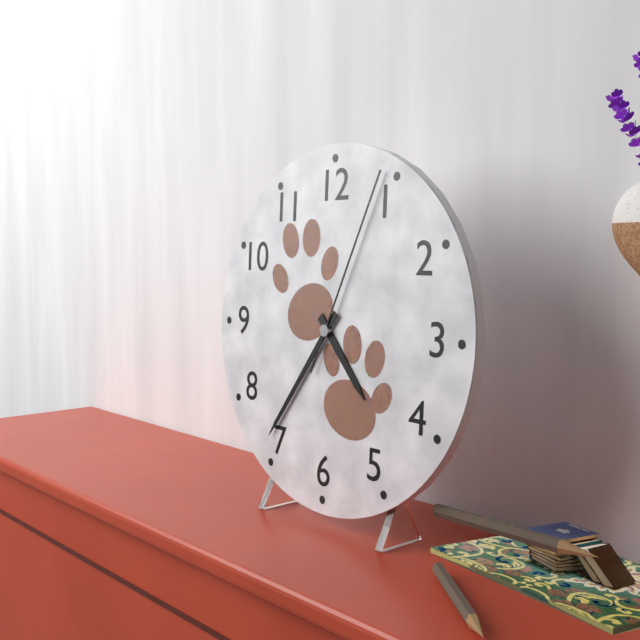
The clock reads {"hour": 4, "minute": 36, "second": 4}
